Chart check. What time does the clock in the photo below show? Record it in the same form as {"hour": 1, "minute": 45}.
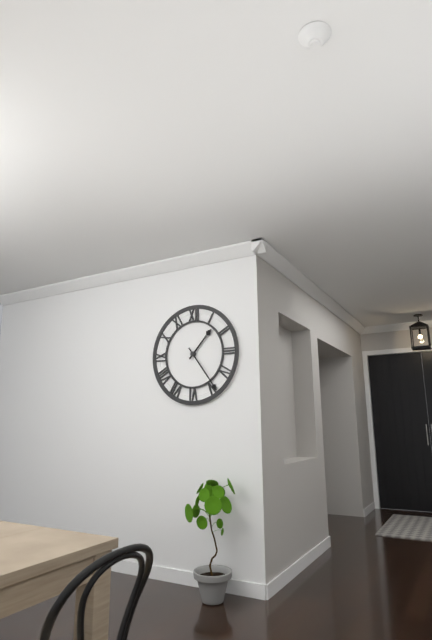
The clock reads {"hour": 1, "minute": 24}
